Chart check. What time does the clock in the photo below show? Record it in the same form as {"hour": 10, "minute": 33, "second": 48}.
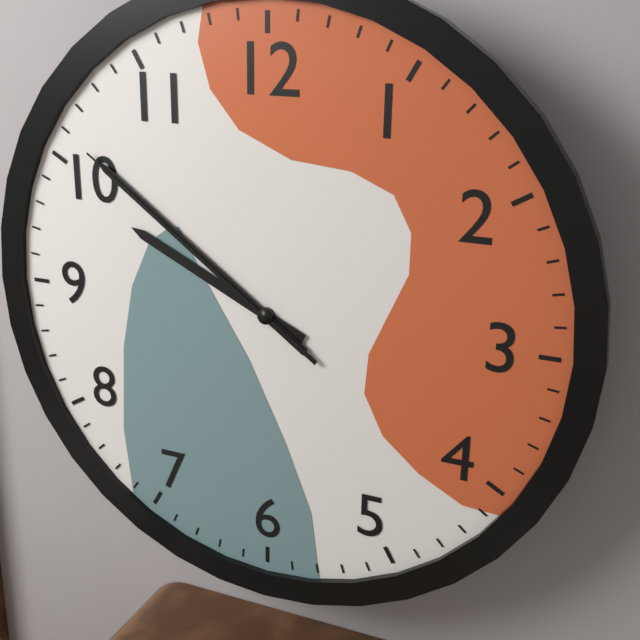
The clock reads {"hour": 9, "minute": 51, "second": 51}
